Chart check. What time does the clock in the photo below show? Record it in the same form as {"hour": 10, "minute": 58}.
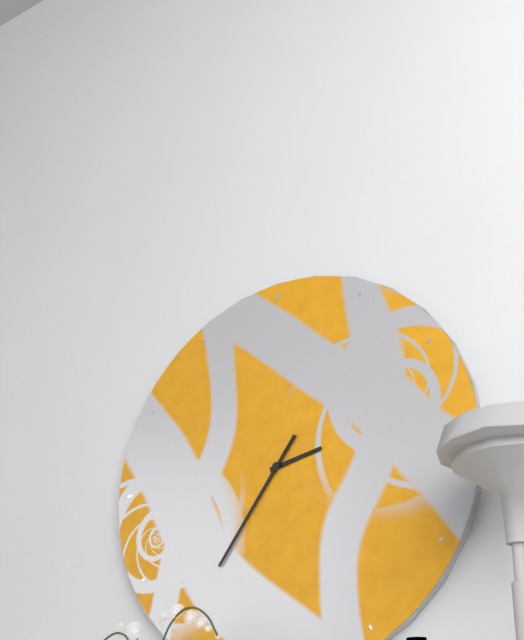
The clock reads {"hour": 2, "minute": 36}
